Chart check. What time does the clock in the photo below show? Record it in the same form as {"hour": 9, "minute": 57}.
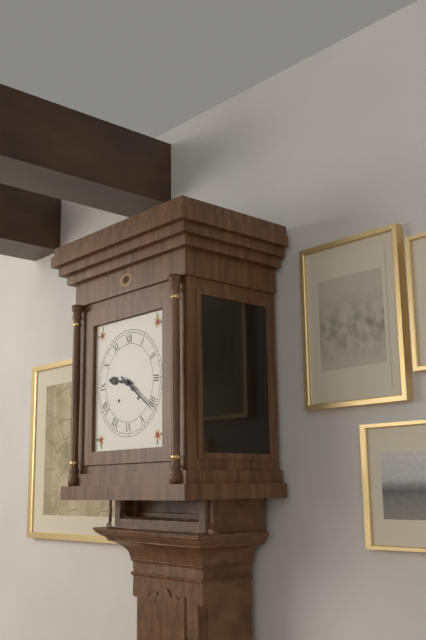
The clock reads {"hour": 9, "minute": 21}
